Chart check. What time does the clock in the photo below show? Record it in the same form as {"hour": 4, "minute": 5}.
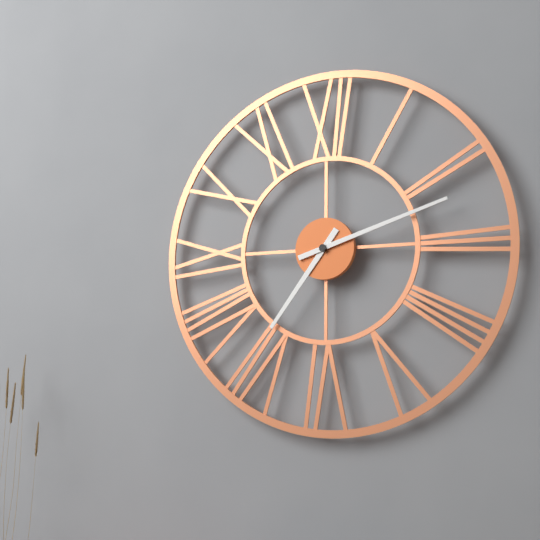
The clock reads {"hour": 7, "minute": 12}
